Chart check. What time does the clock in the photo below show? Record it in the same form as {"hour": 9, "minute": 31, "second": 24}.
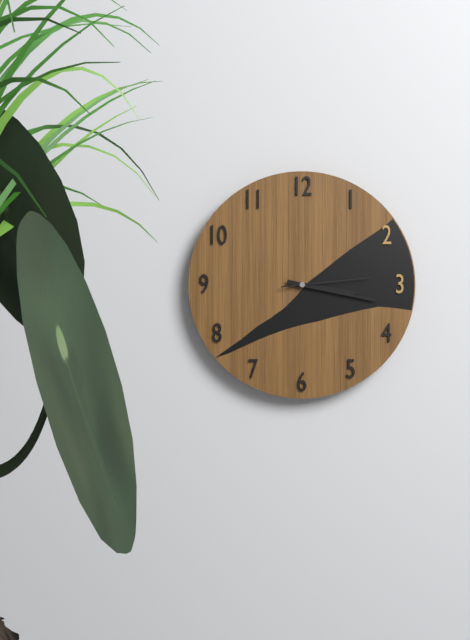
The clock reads {"hour": 3, "minute": 17, "second": 14}
